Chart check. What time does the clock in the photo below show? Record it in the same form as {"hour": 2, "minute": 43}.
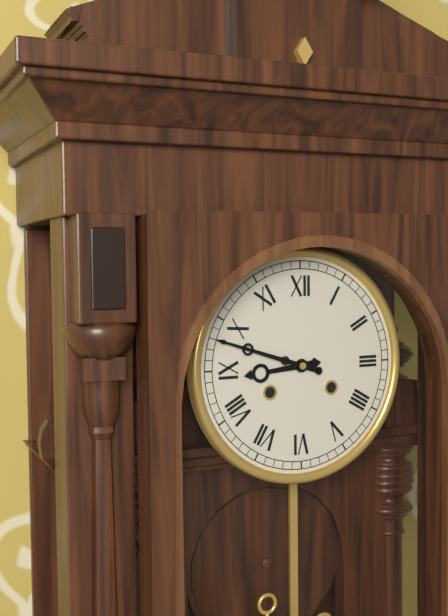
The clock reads {"hour": 8, "minute": 48}
